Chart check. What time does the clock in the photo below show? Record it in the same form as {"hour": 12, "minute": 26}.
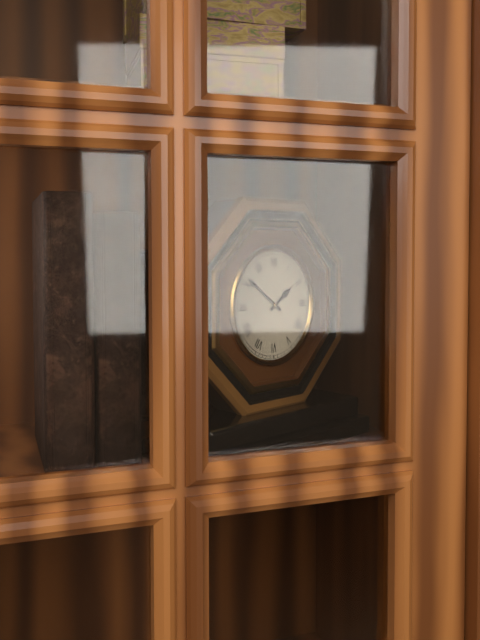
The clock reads {"hour": 1, "minute": 51}
